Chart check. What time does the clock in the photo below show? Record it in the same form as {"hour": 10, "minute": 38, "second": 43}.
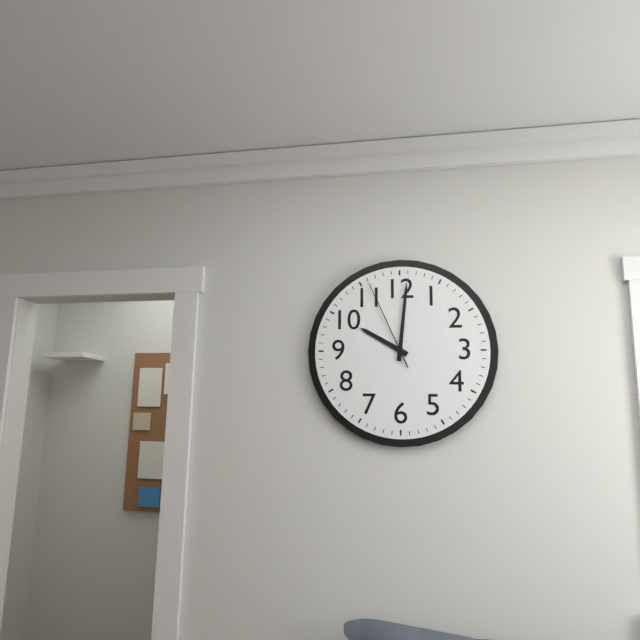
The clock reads {"hour": 10, "minute": 1, "second": 56}
